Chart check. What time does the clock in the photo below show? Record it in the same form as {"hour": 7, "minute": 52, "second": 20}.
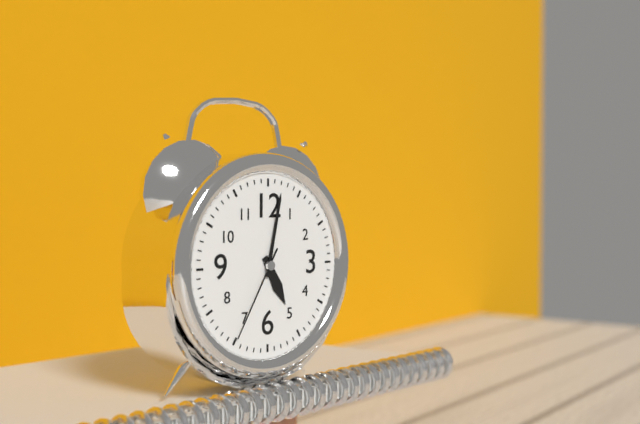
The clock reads {"hour": 5, "minute": 2, "second": 35}
